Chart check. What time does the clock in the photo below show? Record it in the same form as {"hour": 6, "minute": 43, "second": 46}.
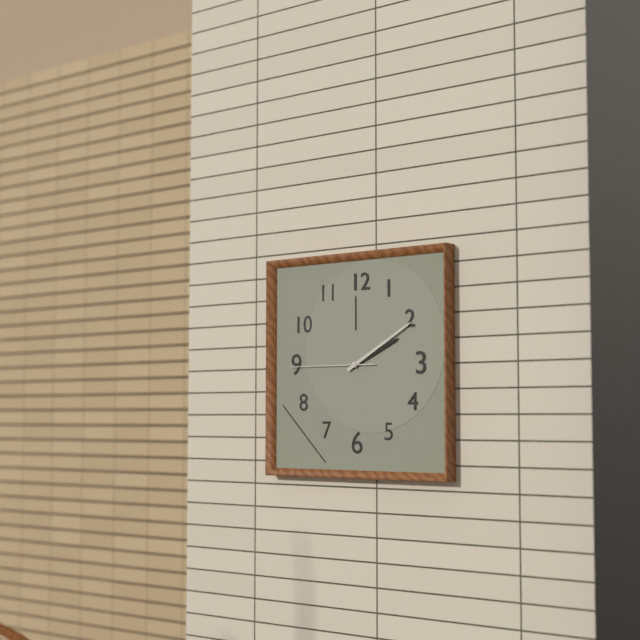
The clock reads {"hour": 2, "minute": 10, "second": 45}
